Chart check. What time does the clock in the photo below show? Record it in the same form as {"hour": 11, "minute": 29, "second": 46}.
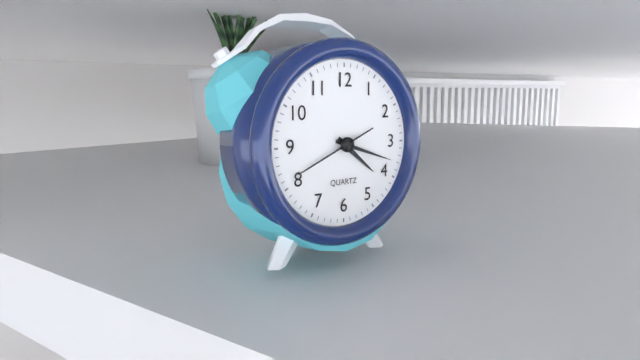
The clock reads {"hour": 4, "minute": 18, "second": 41}
